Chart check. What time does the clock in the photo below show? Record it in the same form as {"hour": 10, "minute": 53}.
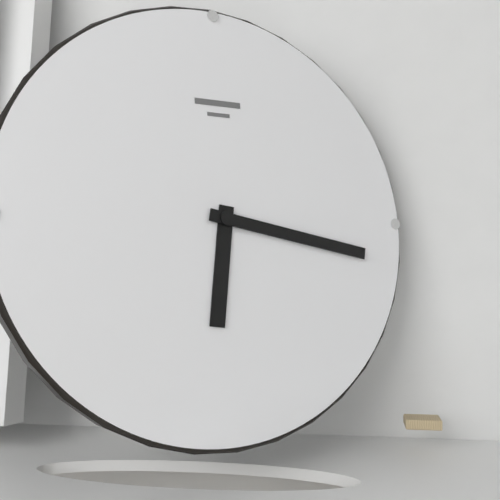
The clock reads {"hour": 6, "minute": 17}
